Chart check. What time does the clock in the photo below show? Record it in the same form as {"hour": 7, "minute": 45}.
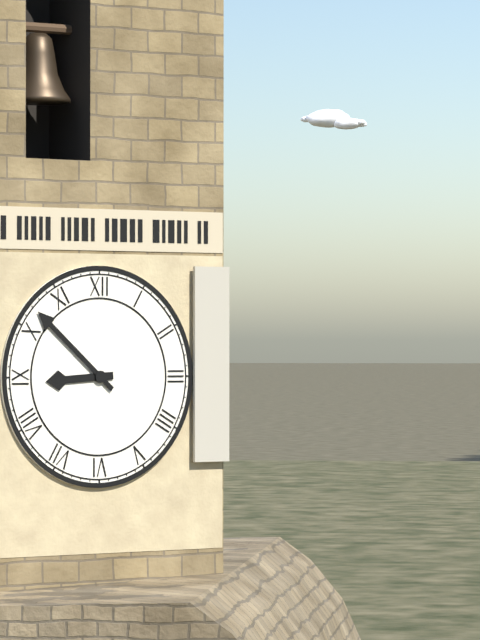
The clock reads {"hour": 8, "minute": 52}
